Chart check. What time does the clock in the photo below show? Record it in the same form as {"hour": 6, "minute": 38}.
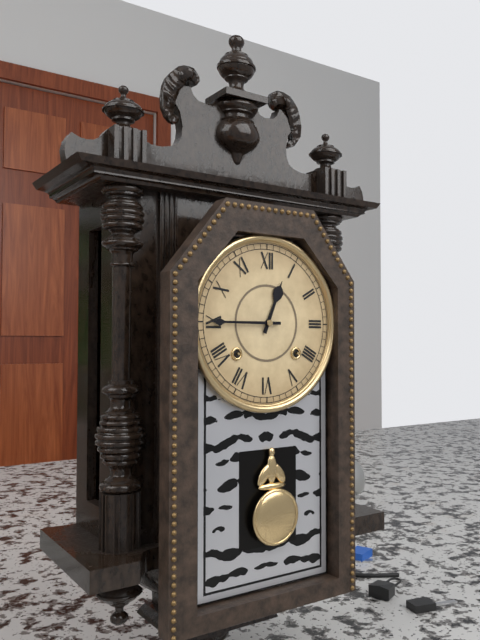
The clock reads {"hour": 12, "minute": 45}
